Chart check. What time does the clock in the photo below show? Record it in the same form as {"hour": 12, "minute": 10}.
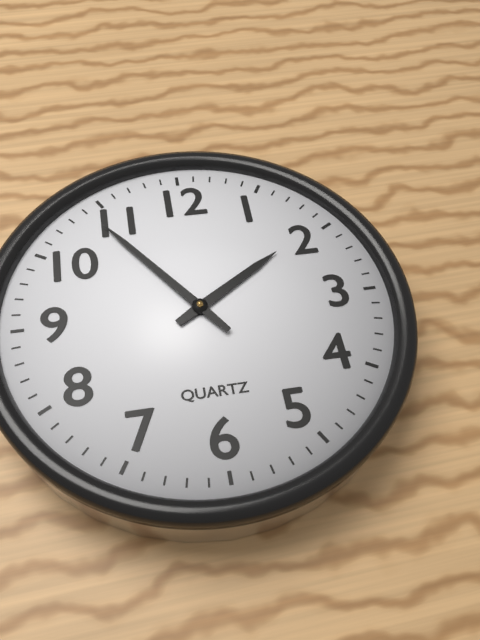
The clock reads {"hour": 1, "minute": 54}
